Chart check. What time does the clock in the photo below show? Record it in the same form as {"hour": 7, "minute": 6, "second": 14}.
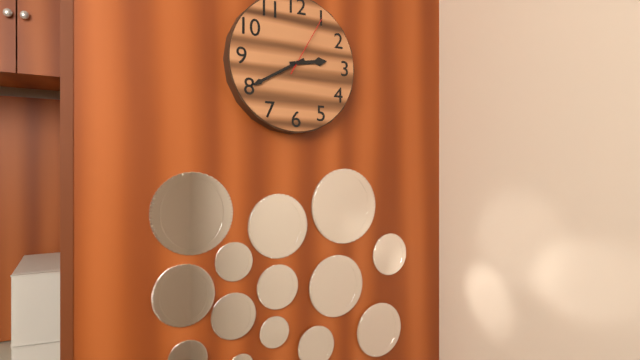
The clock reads {"hour": 2, "minute": 40, "second": 5}
